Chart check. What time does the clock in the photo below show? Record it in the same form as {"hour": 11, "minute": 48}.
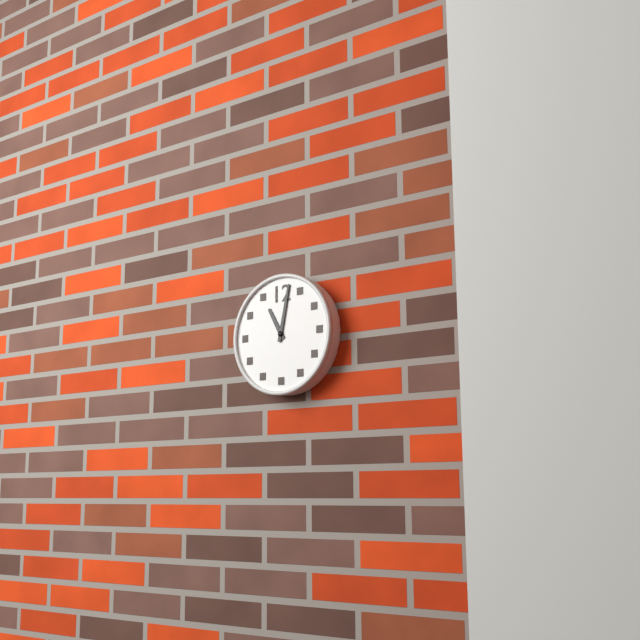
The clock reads {"hour": 11, "minute": 2}
